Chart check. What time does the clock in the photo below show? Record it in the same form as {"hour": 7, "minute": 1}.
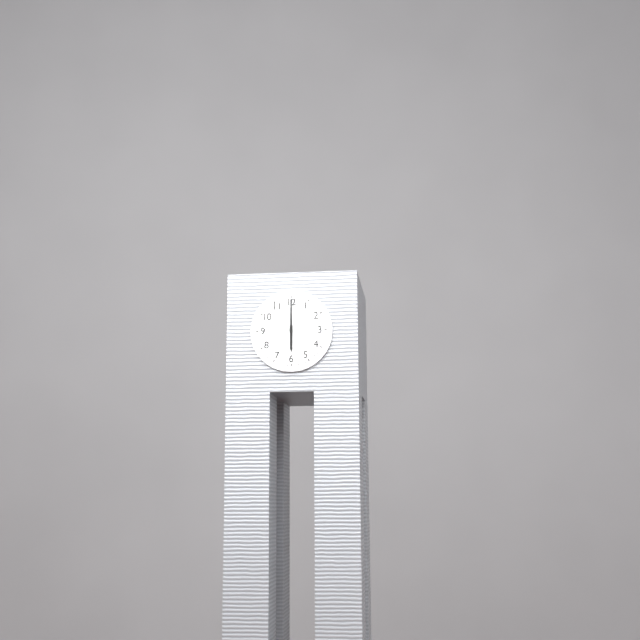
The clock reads {"hour": 6, "minute": 0}
